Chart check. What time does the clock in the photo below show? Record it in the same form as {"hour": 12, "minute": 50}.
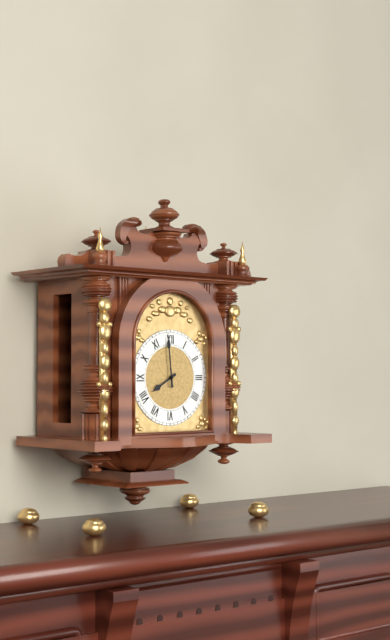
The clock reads {"hour": 7, "minute": 59}
